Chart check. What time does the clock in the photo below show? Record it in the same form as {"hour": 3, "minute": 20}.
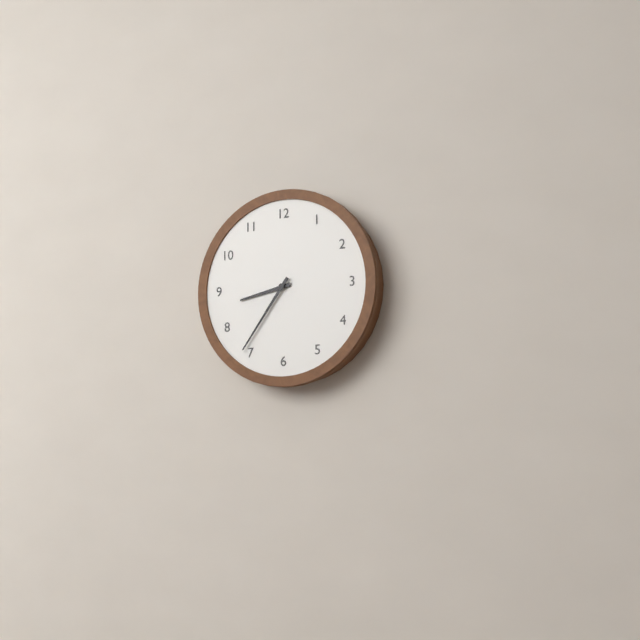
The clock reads {"hour": 8, "minute": 36}
